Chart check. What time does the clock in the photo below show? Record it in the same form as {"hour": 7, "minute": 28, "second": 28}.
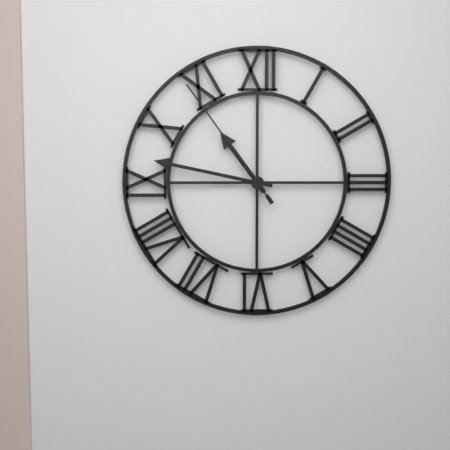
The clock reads {"hour": 10, "minute": 47, "second": 54}
